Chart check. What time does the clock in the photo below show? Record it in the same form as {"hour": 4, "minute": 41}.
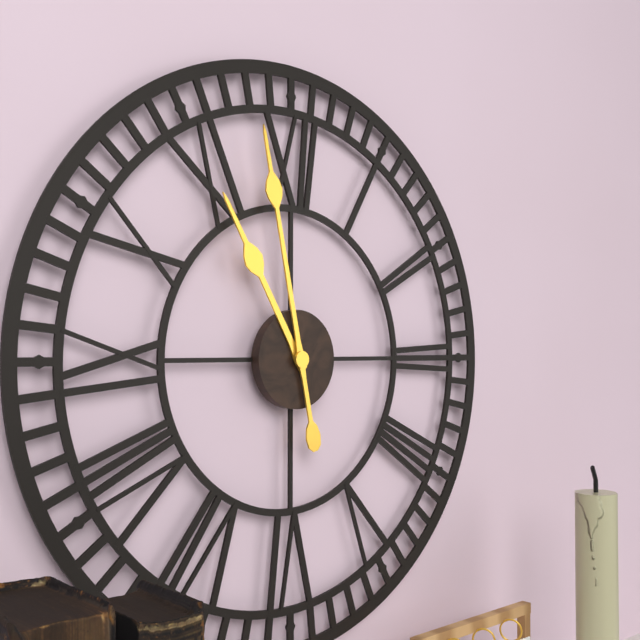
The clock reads {"hour": 10, "minute": 58}
